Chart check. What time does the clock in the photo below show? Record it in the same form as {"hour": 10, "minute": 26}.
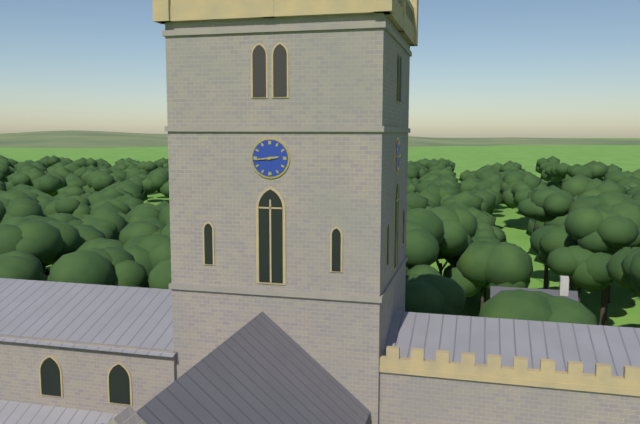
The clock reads {"hour": 2, "minute": 44}
